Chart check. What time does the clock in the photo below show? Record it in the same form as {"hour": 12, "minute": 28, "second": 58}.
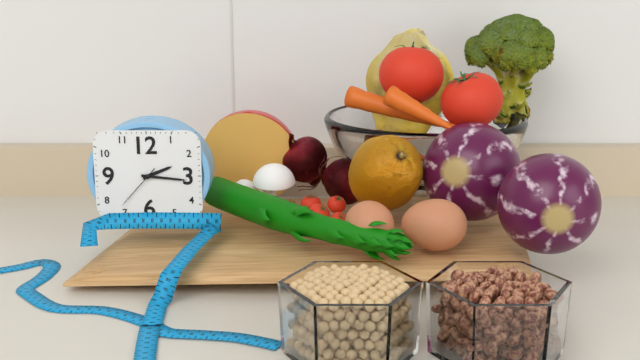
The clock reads {"hour": 2, "minute": 16, "second": 37}
